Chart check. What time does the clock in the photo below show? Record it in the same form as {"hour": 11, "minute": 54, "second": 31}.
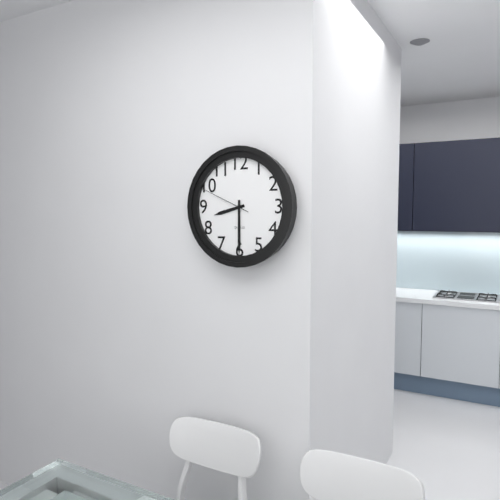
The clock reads {"hour": 8, "minute": 30, "second": 49}
